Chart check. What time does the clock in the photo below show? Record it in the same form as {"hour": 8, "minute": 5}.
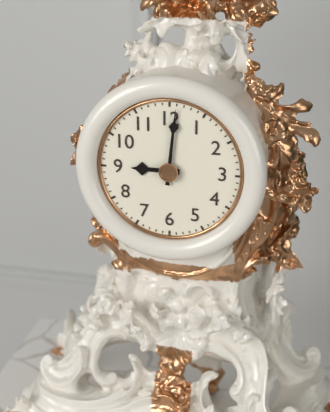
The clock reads {"hour": 9, "minute": 1}
